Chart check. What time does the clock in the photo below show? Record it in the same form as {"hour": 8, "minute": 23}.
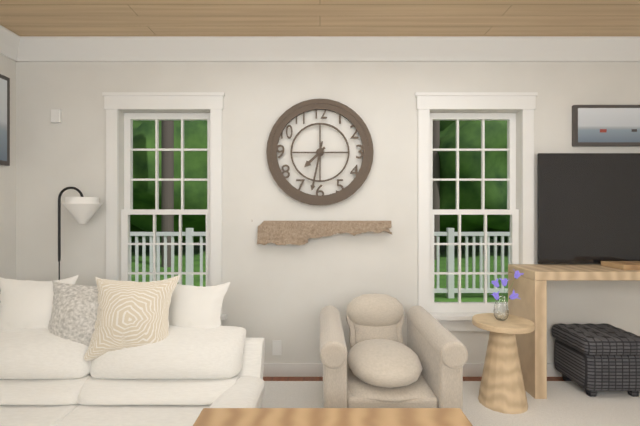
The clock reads {"hour": 7, "minute": 32}
